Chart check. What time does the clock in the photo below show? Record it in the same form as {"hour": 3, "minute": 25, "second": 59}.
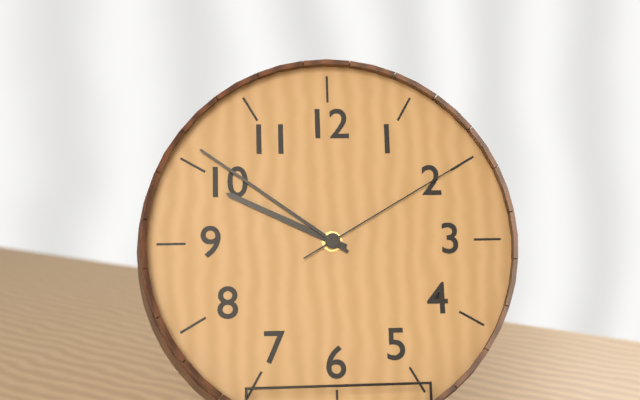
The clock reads {"hour": 9, "minute": 51, "second": 10}
